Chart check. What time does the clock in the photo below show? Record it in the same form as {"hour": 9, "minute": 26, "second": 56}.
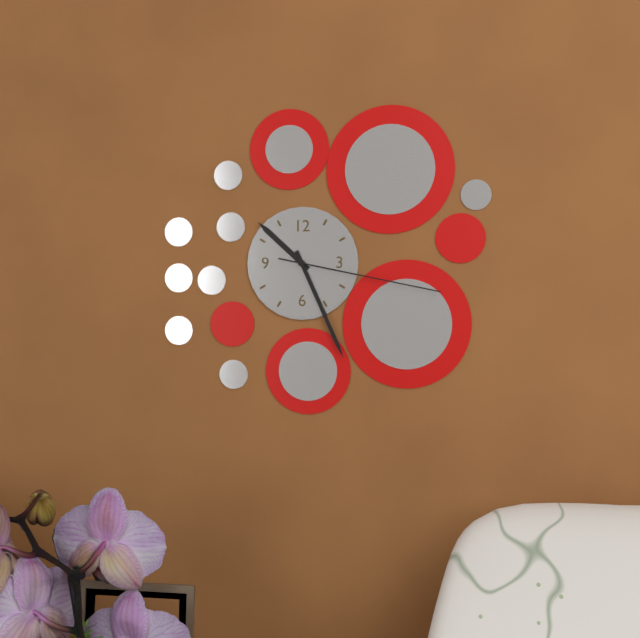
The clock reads {"hour": 10, "minute": 26, "second": 17}
